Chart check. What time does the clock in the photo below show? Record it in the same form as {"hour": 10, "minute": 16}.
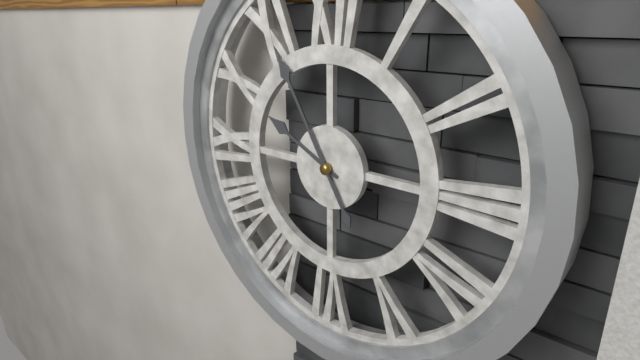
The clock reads {"hour": 9, "minute": 55}
